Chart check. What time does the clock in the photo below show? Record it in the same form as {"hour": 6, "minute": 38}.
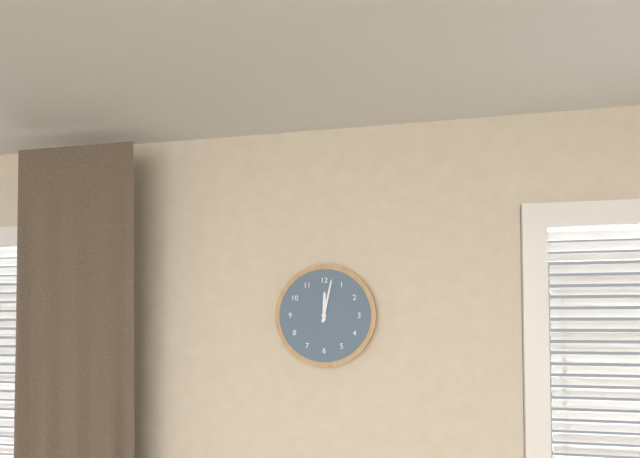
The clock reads {"hour": 12, "minute": 2}
